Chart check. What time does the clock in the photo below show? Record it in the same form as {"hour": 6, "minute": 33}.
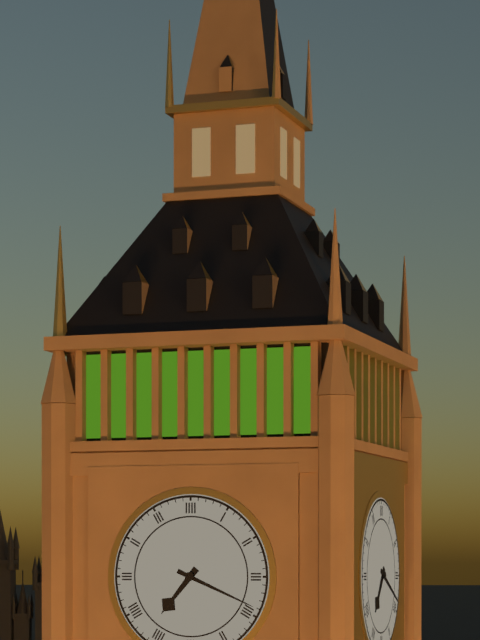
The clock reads {"hour": 7, "minute": 19}
